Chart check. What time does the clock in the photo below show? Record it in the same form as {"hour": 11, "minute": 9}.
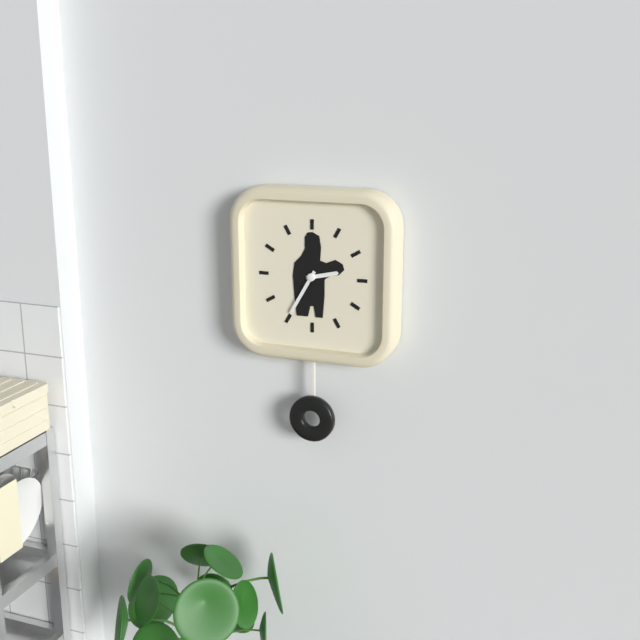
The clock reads {"hour": 2, "minute": 35}
